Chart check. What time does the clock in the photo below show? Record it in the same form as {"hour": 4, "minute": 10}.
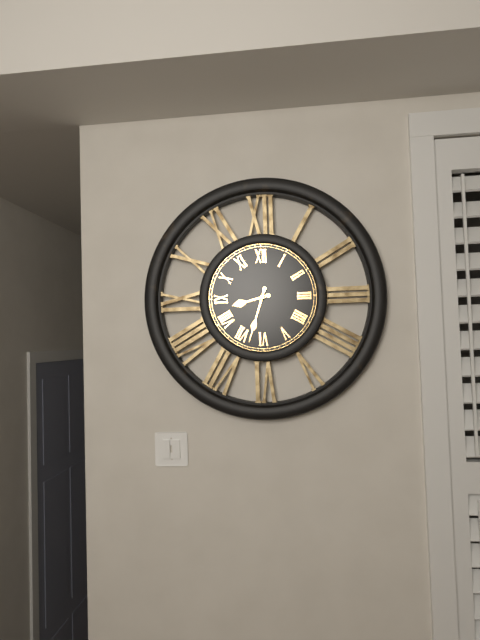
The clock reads {"hour": 8, "minute": 33}
